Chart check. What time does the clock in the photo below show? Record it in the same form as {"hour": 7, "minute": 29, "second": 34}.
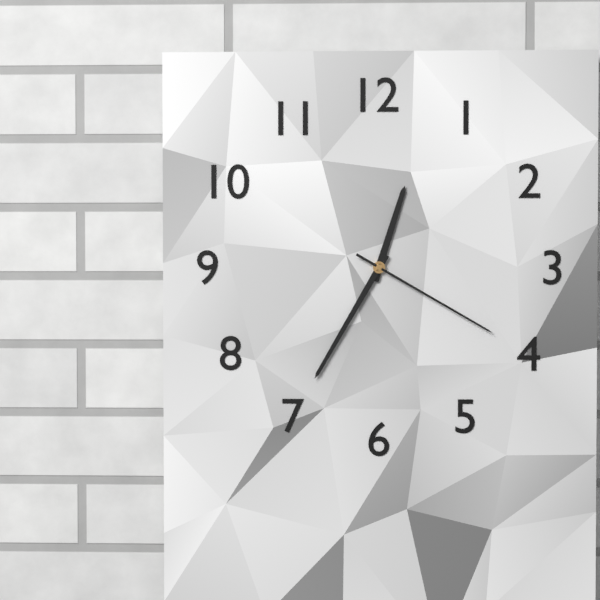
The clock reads {"hour": 12, "minute": 35, "second": 20}
